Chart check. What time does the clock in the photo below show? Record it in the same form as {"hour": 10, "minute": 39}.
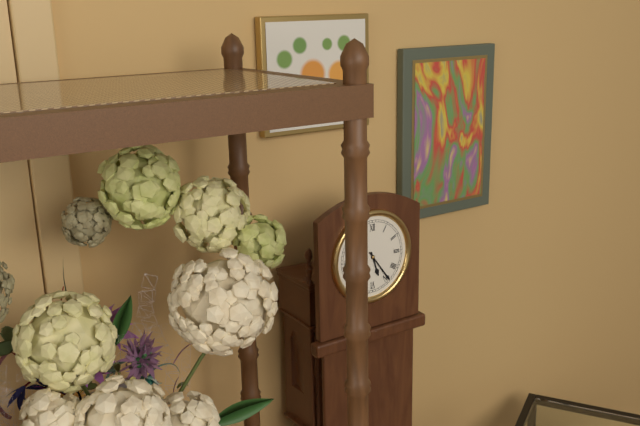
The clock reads {"hour": 5, "minute": 24}
